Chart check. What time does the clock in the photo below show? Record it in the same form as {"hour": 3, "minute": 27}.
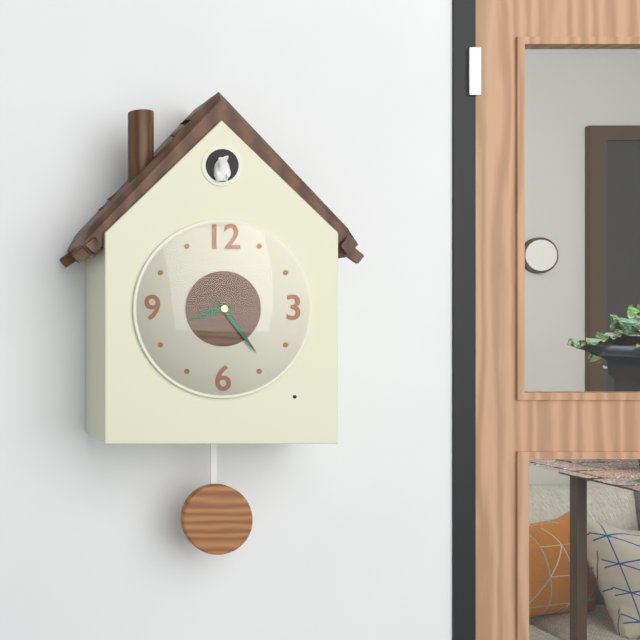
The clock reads {"hour": 8, "minute": 24}
